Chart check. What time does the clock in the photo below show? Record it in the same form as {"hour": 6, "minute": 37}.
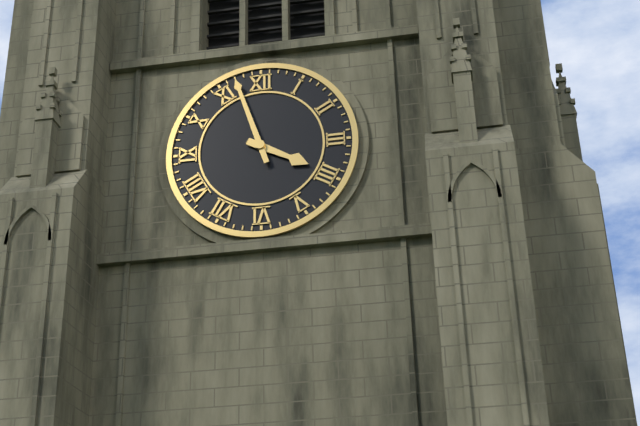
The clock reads {"hour": 3, "minute": 57}
